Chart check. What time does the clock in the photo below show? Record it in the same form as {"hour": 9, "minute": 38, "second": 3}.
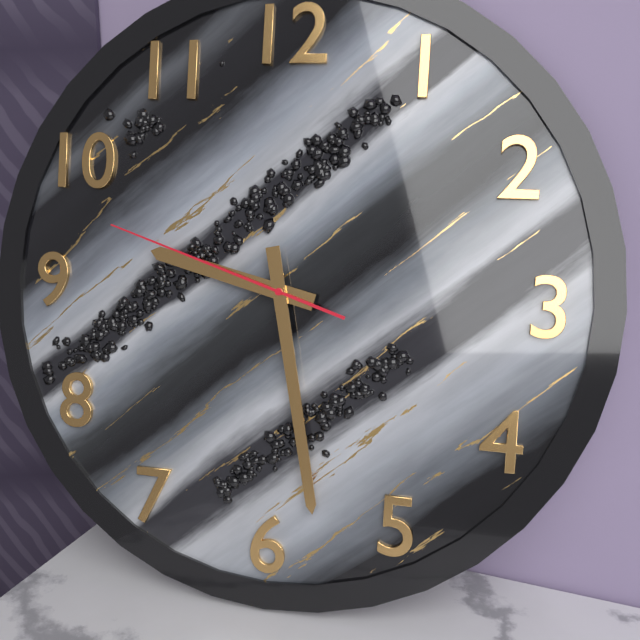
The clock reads {"hour": 9, "minute": 28, "second": 48}
